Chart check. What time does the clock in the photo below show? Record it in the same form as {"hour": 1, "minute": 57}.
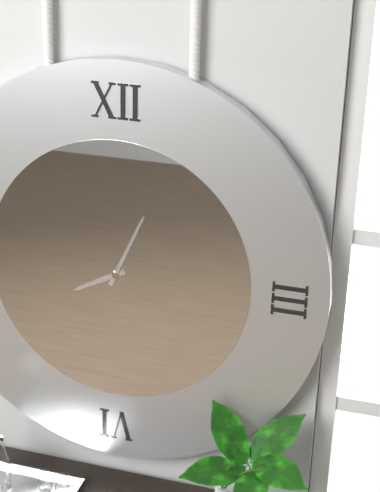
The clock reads {"hour": 8, "minute": 4}
